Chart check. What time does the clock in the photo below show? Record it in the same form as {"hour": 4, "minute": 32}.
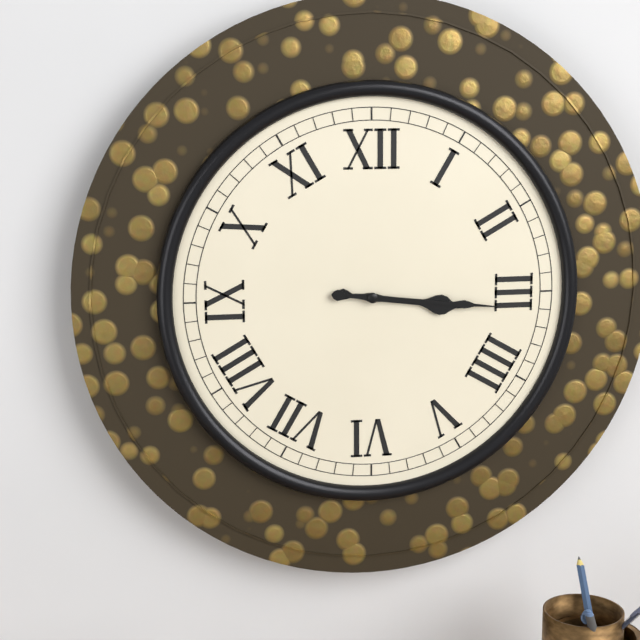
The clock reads {"hour": 3, "minute": 16}
